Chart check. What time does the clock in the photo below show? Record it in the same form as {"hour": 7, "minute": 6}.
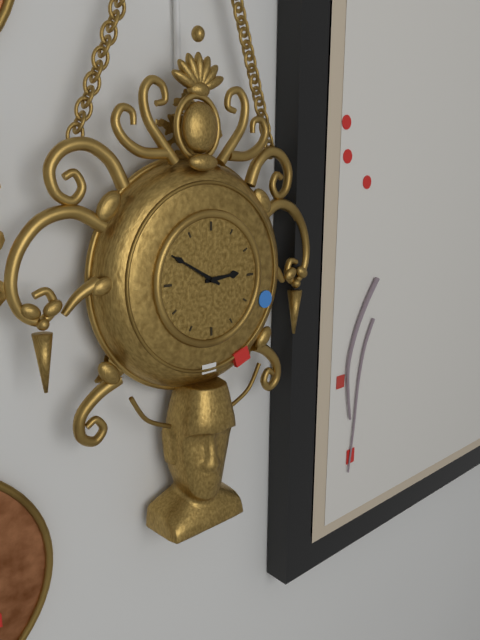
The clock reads {"hour": 2, "minute": 50}
